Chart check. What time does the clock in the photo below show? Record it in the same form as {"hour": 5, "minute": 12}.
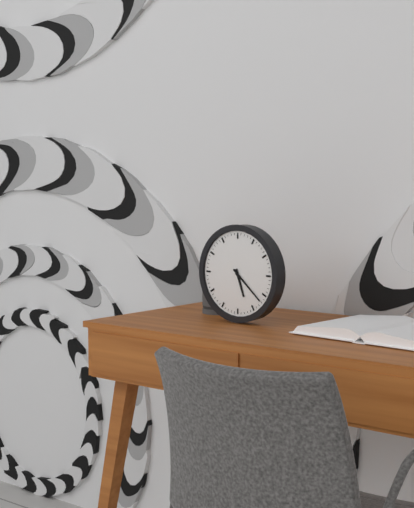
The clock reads {"hour": 5, "minute": 22}
